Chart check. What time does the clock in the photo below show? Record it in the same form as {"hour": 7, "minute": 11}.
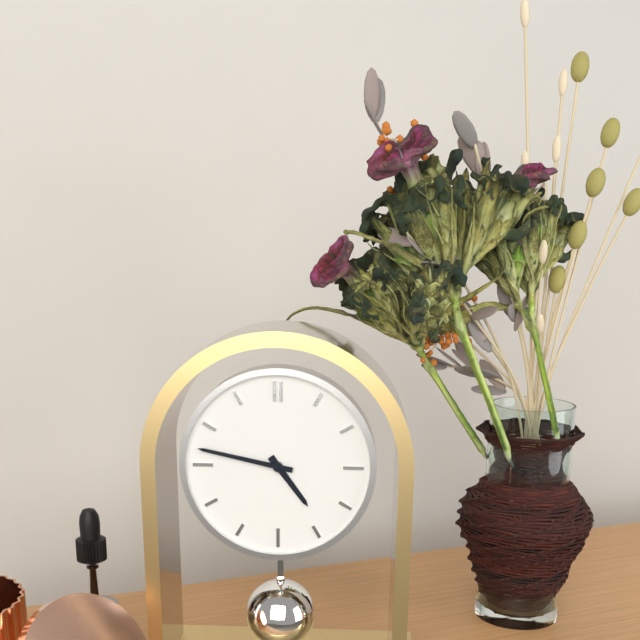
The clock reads {"hour": 4, "minute": 47}
